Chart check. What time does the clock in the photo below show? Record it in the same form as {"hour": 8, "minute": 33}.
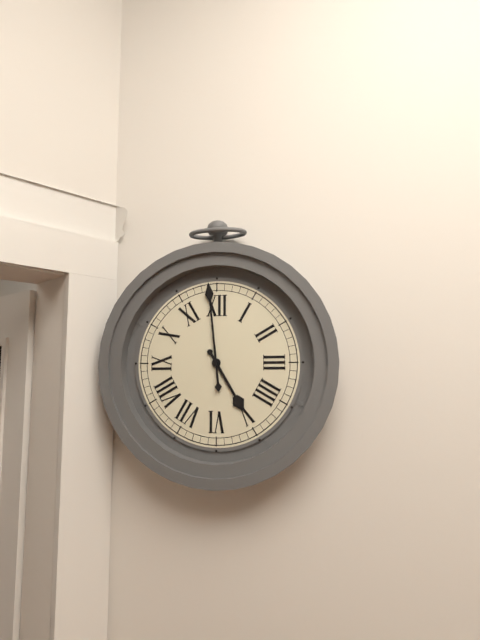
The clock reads {"hour": 4, "minute": 59}
